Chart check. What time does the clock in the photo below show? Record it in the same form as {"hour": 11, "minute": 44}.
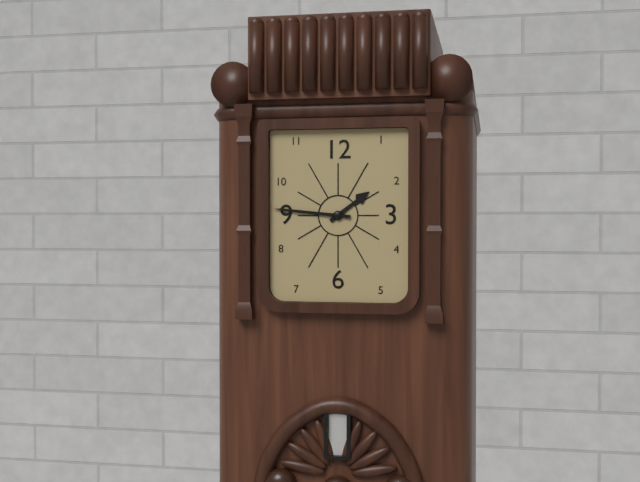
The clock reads {"hour": 1, "minute": 46}
